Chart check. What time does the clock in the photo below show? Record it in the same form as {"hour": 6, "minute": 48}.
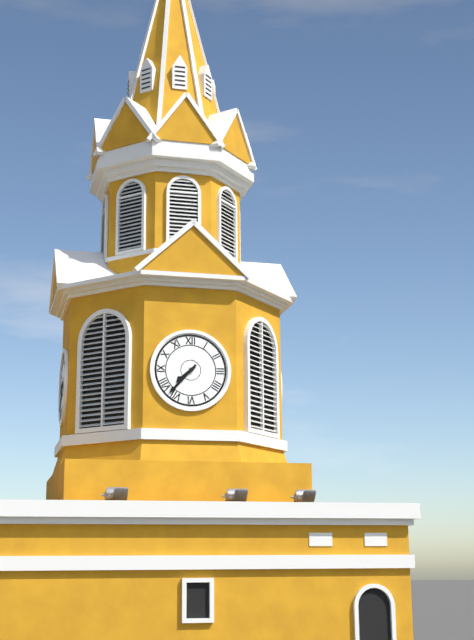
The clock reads {"hour": 7, "minute": 37}
